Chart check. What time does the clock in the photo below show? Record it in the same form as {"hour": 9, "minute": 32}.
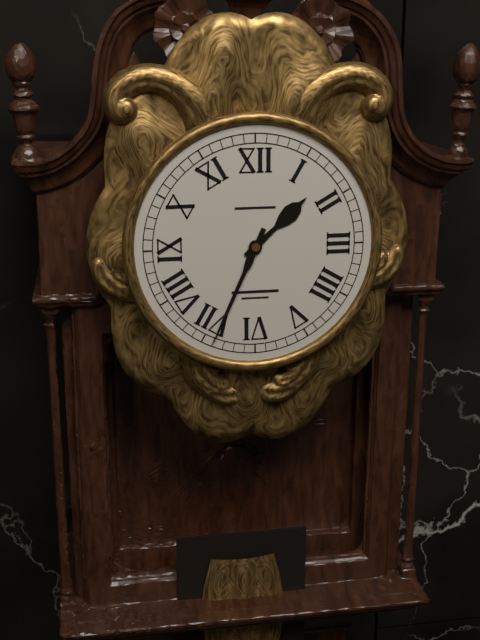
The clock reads {"hour": 1, "minute": 34}
